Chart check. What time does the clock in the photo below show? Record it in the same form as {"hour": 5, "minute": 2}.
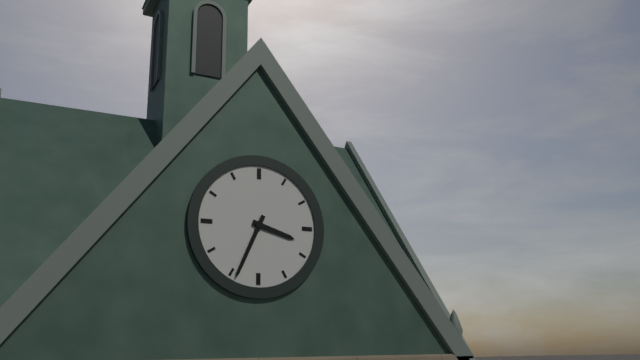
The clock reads {"hour": 3, "minute": 34}
